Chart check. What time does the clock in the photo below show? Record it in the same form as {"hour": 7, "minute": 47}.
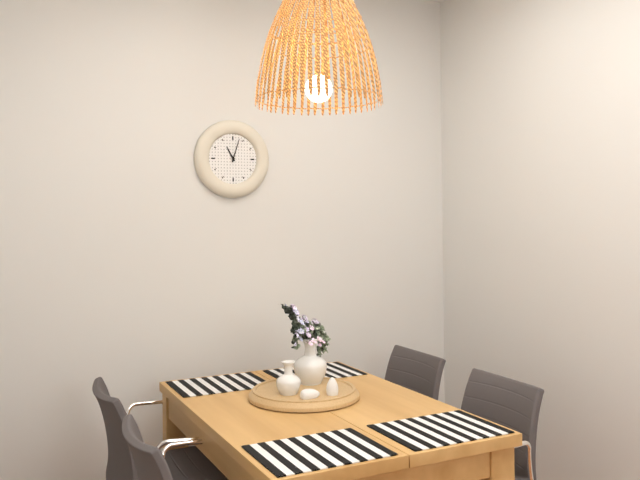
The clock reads {"hour": 11, "minute": 3}
